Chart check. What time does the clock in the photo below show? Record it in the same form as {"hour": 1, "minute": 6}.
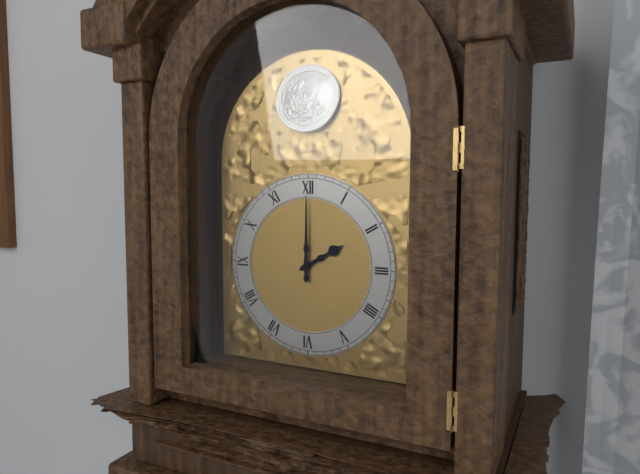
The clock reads {"hour": 2, "minute": 0}
